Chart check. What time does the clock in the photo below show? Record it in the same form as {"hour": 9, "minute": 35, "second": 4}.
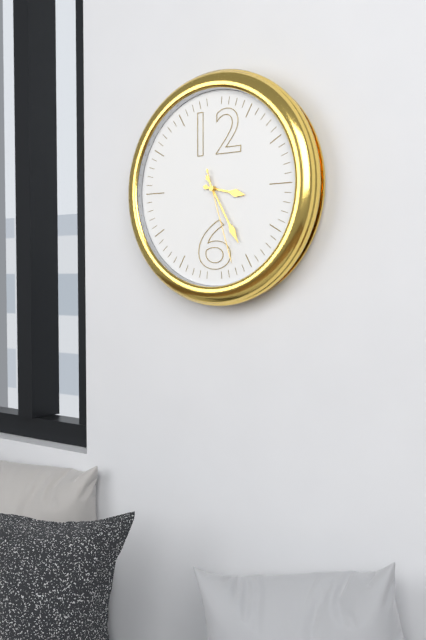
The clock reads {"hour": 3, "minute": 25, "second": 27}
